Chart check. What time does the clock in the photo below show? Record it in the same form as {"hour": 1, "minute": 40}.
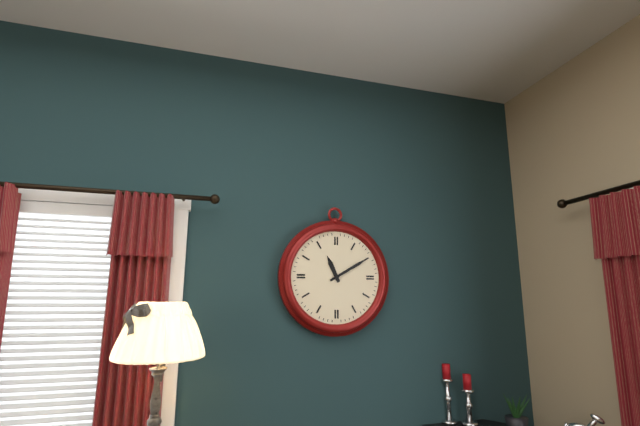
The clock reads {"hour": 11, "minute": 10}
